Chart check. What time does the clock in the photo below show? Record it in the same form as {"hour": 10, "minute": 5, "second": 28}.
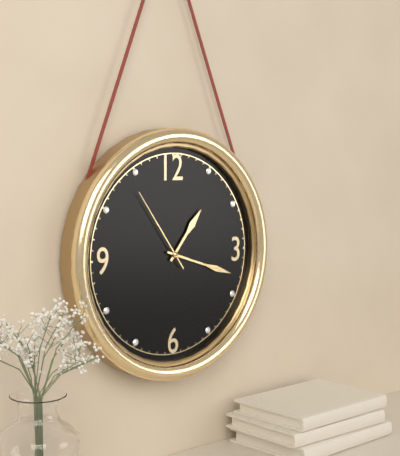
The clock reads {"hour": 1, "minute": 18, "second": 54}
